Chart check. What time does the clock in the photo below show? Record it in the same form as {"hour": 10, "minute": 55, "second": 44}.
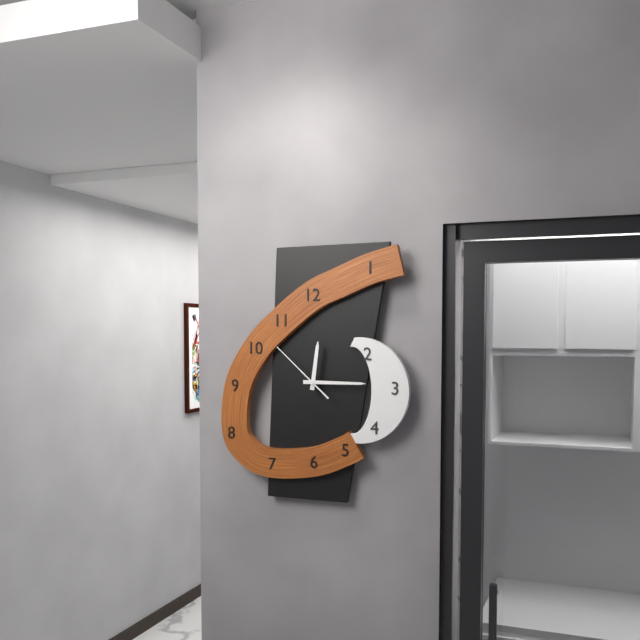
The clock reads {"hour": 12, "minute": 15, "second": 52}
